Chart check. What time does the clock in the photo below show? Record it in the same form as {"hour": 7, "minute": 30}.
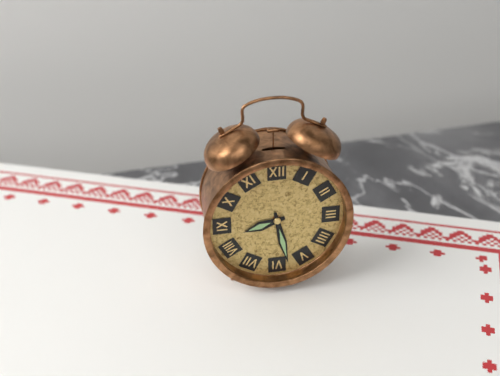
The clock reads {"hour": 8, "minute": 28}
